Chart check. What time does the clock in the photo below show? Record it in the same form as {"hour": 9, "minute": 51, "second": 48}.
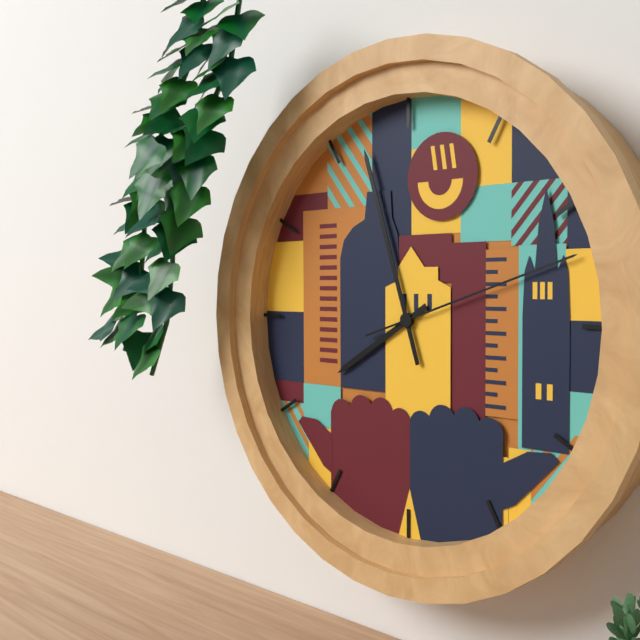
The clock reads {"hour": 7, "minute": 57, "second": 12}
